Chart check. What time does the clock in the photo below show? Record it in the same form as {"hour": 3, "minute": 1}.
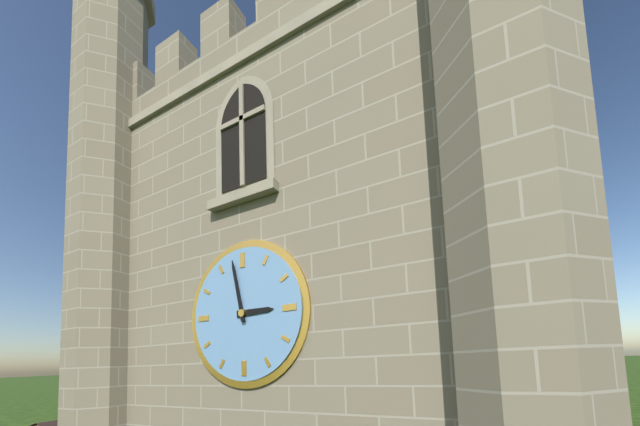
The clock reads {"hour": 2, "minute": 58}
